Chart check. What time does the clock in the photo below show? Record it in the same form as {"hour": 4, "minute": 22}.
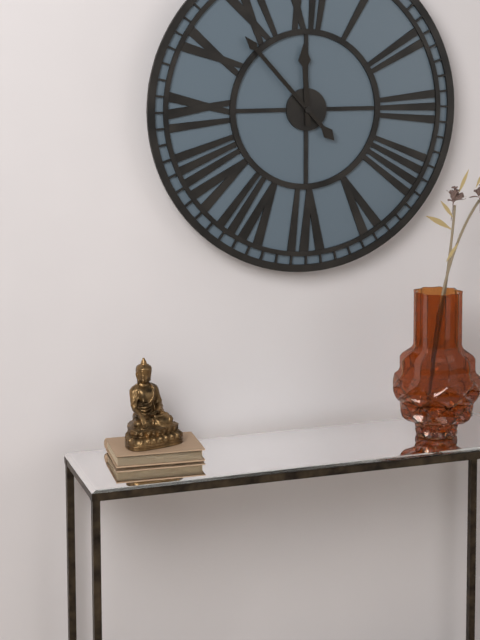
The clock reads {"hour": 11, "minute": 53}
